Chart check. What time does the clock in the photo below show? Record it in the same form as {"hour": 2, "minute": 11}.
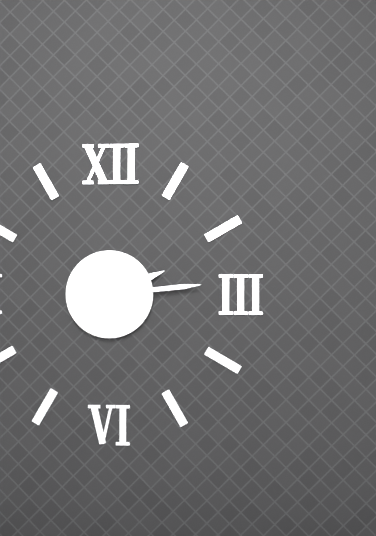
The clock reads {"hour": 2, "minute": 14}
